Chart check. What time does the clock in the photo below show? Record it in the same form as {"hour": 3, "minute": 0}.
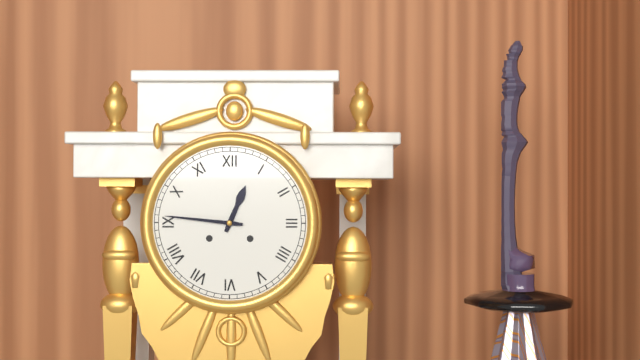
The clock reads {"hour": 12, "minute": 46}
